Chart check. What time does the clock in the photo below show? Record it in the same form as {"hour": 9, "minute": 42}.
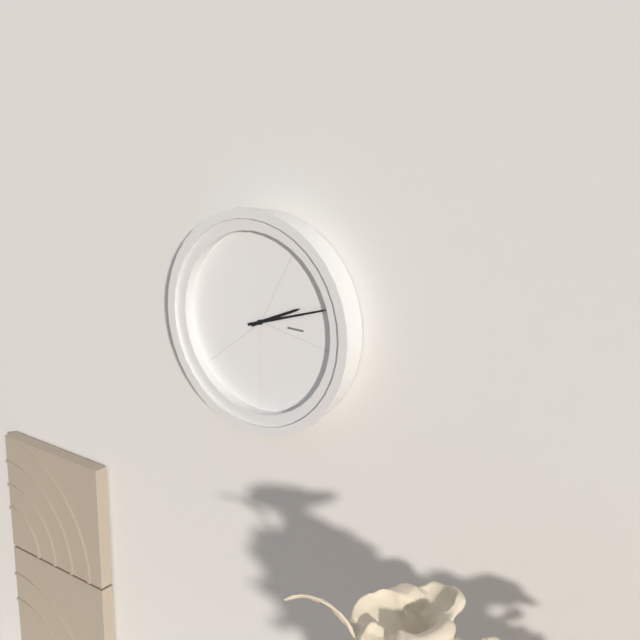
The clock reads {"hour": 2, "minute": 12}
